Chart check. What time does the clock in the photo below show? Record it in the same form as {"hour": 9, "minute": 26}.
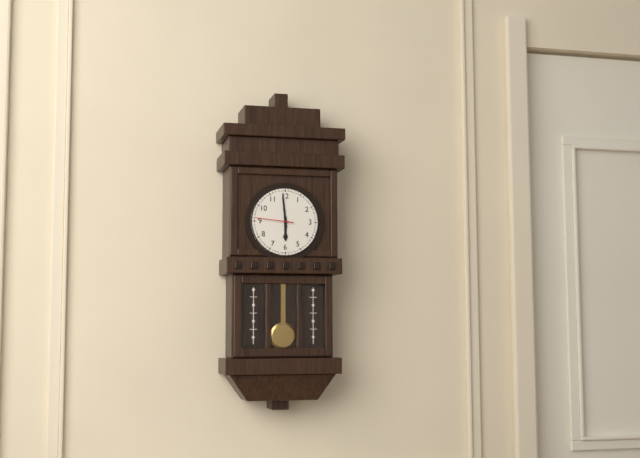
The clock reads {"hour": 5, "minute": 59}
